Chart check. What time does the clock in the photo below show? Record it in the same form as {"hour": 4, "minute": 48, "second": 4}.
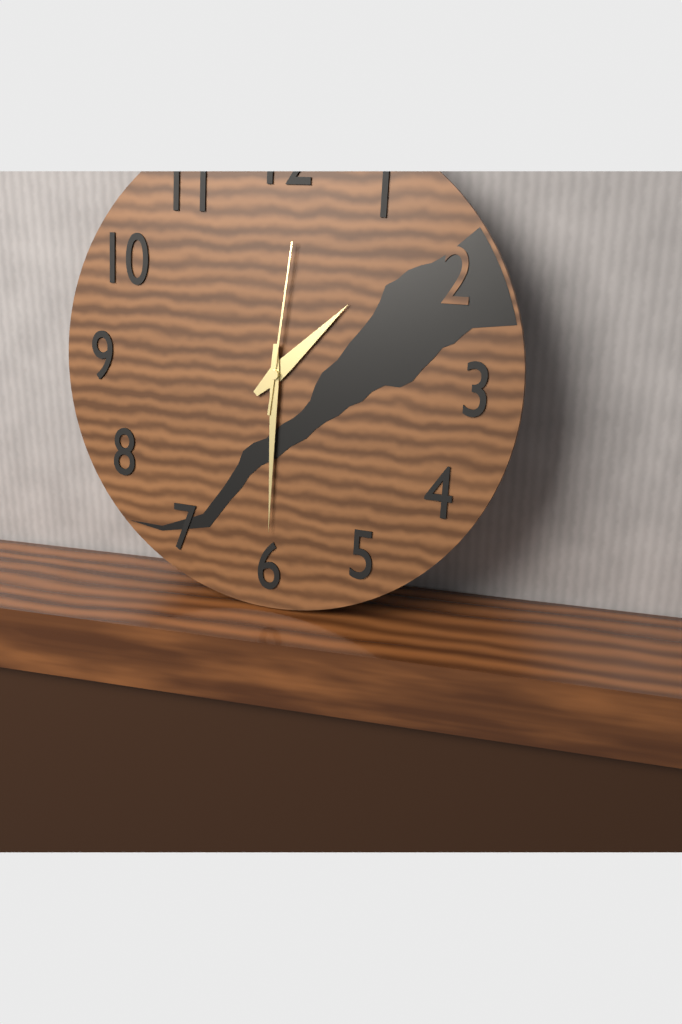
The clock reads {"hour": 1, "minute": 30, "second": 1}
